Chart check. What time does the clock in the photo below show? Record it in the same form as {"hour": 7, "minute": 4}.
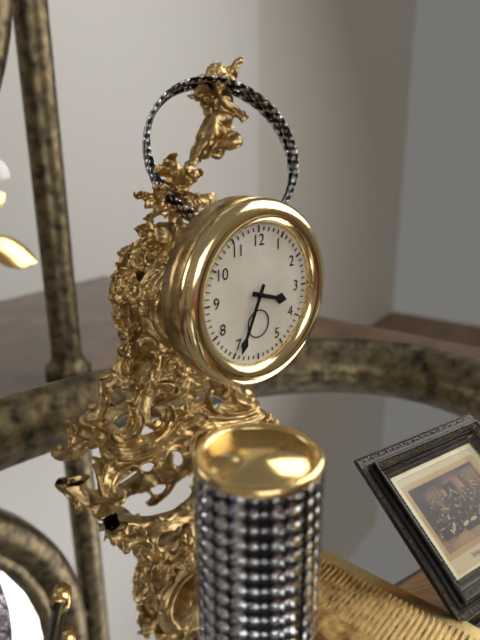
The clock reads {"hour": 3, "minute": 34}
